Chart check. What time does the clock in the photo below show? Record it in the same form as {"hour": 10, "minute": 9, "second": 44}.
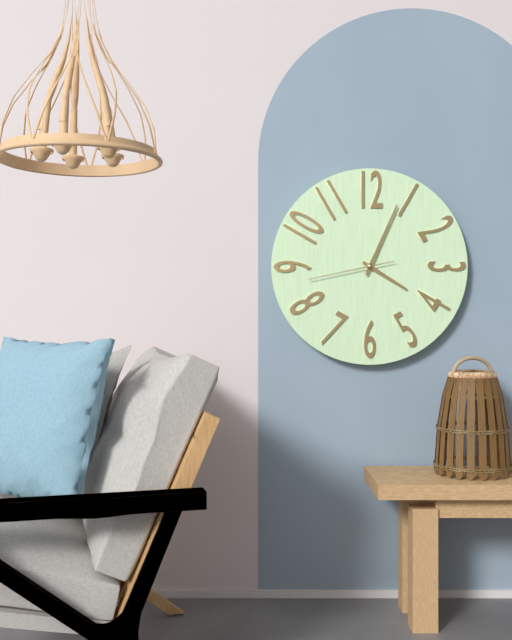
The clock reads {"hour": 4, "minute": 4, "second": 43}
